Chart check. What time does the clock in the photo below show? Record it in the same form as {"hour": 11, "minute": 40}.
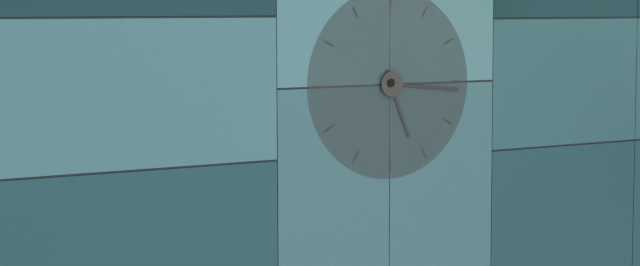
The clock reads {"hour": 5, "minute": 16}
